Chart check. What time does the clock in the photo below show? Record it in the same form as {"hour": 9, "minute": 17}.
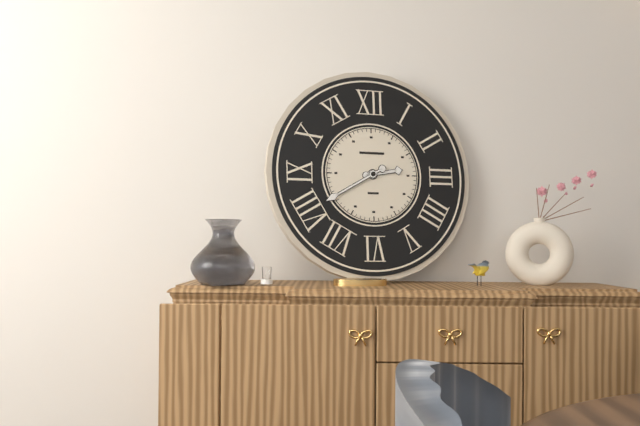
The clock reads {"hour": 2, "minute": 40}
